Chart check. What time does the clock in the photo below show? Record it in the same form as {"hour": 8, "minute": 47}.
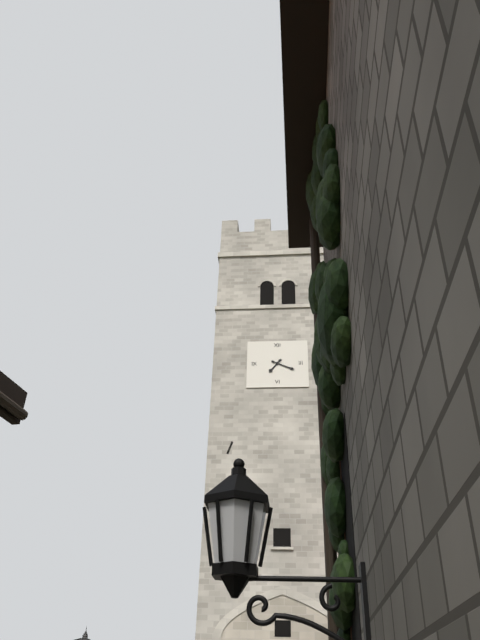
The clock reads {"hour": 7, "minute": 19}
